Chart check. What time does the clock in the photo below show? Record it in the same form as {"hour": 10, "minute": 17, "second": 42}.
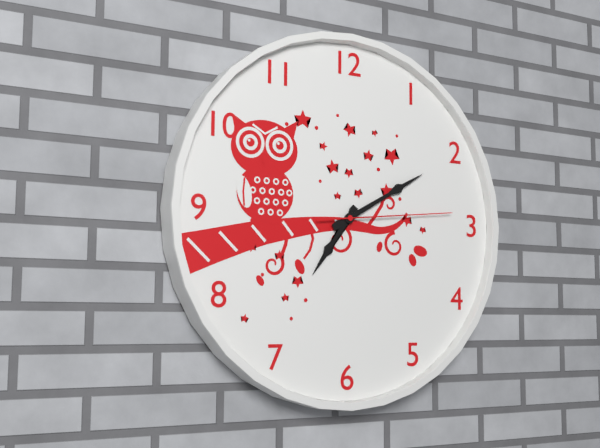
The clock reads {"hour": 7, "minute": 10, "second": 14}
